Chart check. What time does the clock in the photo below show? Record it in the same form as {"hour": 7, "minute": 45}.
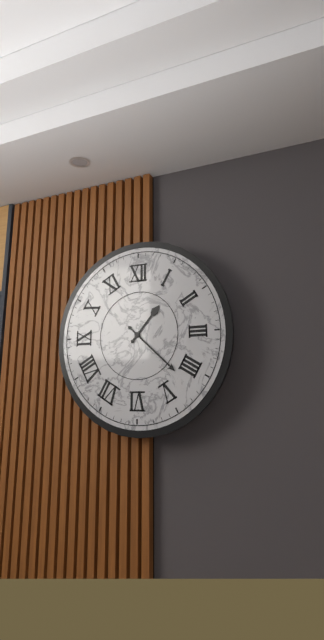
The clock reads {"hour": 1, "minute": 22}
